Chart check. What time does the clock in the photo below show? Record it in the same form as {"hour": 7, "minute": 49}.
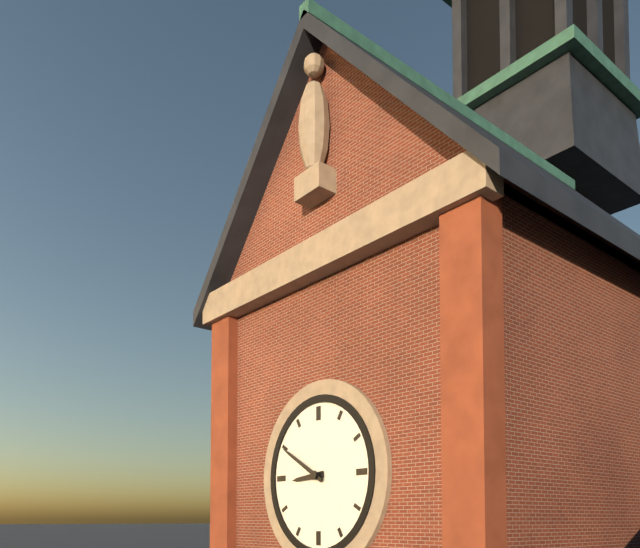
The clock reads {"hour": 8, "minute": 50}
